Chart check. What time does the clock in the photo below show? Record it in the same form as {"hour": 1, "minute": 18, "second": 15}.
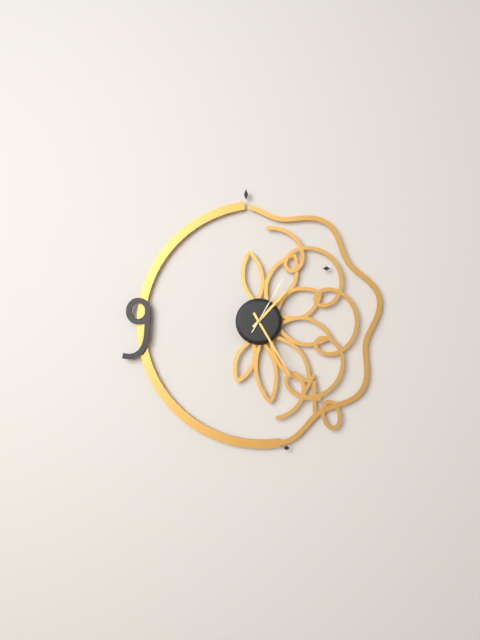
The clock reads {"hour": 1, "minute": 25, "second": 5}
